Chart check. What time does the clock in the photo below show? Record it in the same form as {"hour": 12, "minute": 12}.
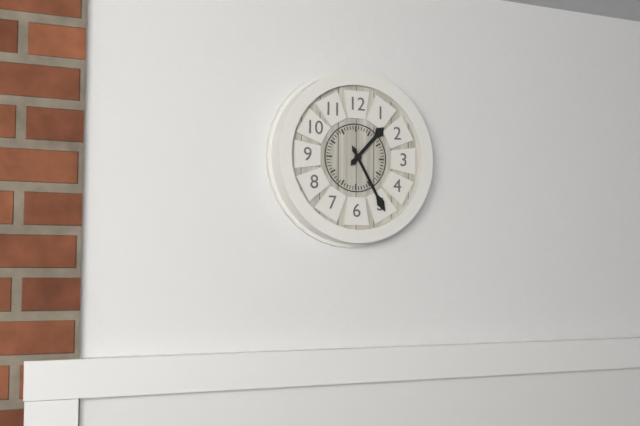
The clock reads {"hour": 1, "minute": 25}
